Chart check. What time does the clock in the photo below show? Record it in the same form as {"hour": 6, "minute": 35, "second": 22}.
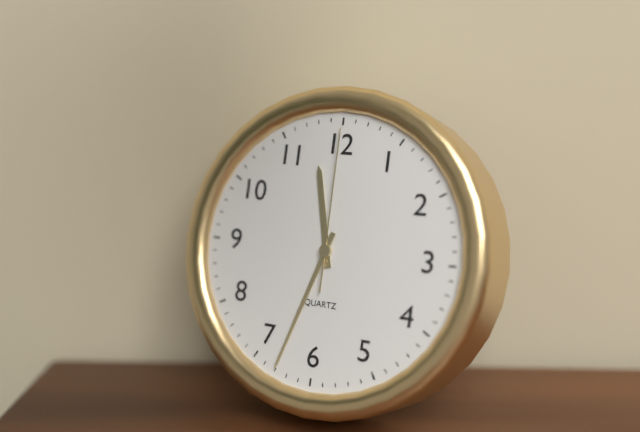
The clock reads {"hour": 11, "minute": 33, "second": 0}
